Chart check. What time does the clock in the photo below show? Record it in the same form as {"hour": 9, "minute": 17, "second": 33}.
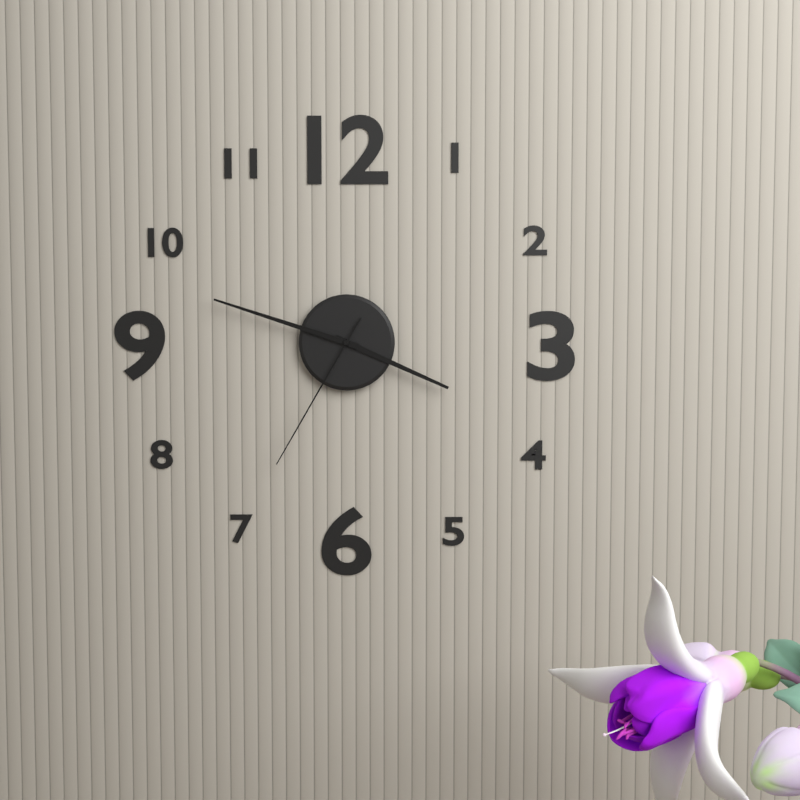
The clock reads {"hour": 3, "minute": 48, "second": 35}
